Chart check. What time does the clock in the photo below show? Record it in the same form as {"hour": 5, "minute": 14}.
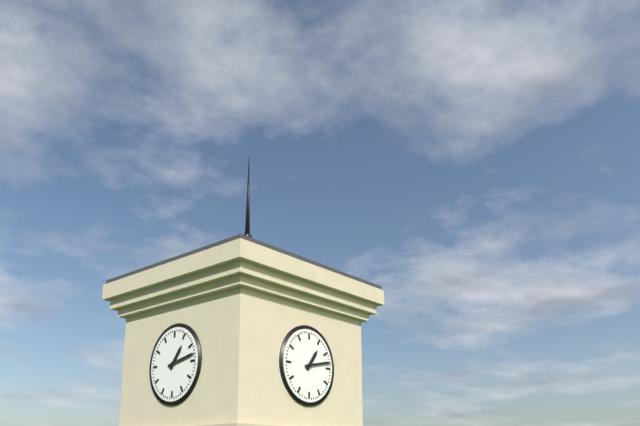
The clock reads {"hour": 1, "minute": 13}
